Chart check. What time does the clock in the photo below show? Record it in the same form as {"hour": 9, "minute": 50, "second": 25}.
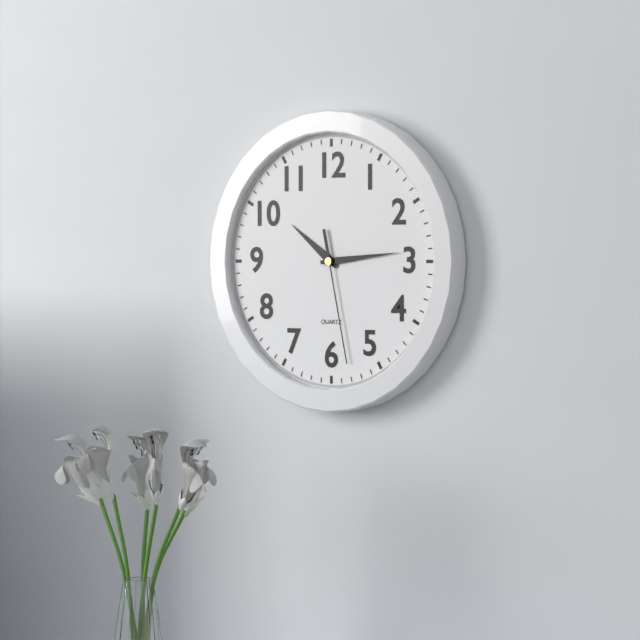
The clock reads {"hour": 10, "minute": 14, "second": 28}
